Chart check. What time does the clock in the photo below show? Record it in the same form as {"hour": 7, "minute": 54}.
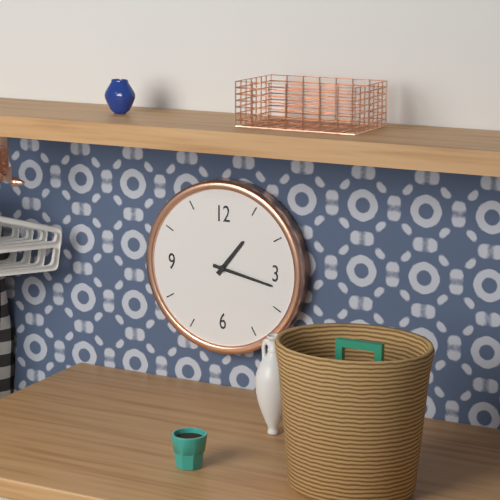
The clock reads {"hour": 1, "minute": 17}
